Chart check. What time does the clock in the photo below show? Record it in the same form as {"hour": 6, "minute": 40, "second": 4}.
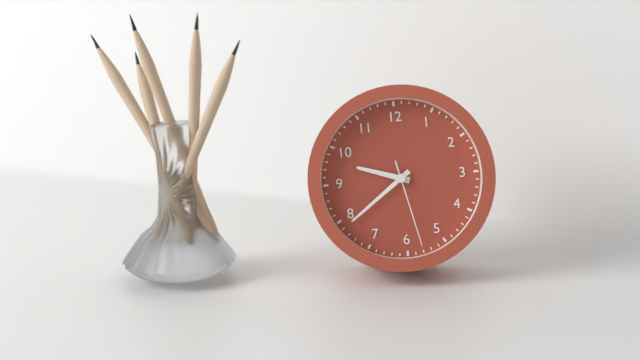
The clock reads {"hour": 9, "minute": 39, "second": 28}
